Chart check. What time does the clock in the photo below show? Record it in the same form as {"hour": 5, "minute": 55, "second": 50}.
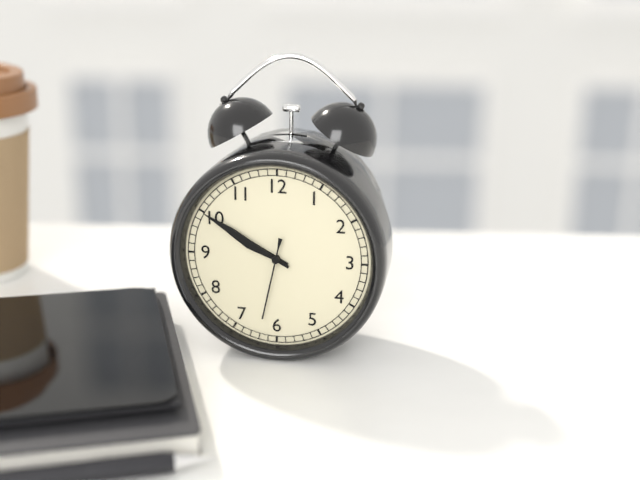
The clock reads {"hour": 9, "minute": 50, "second": 32}
